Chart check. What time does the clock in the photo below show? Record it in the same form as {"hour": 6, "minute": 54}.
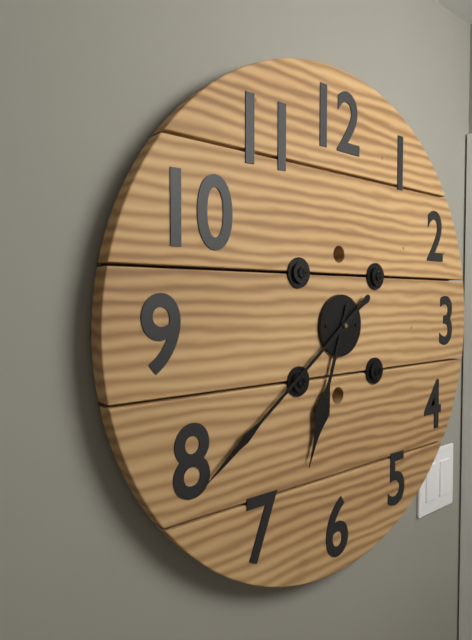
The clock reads {"hour": 6, "minute": 39}
